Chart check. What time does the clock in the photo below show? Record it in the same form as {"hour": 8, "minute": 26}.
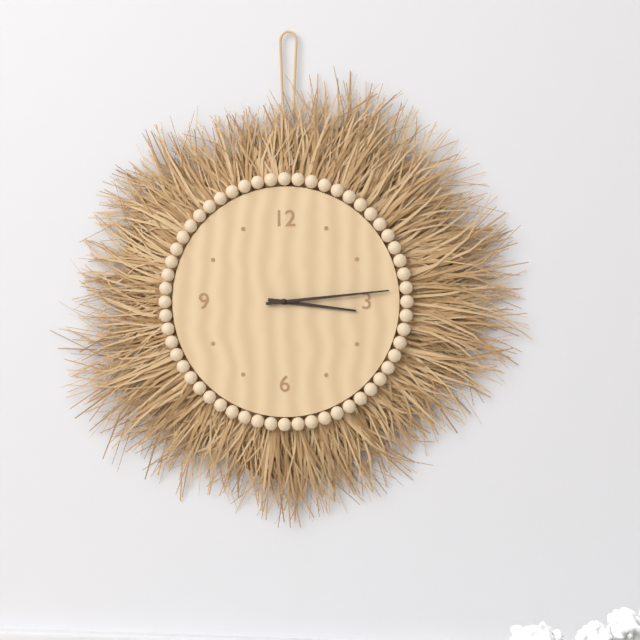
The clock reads {"hour": 3, "minute": 14}
